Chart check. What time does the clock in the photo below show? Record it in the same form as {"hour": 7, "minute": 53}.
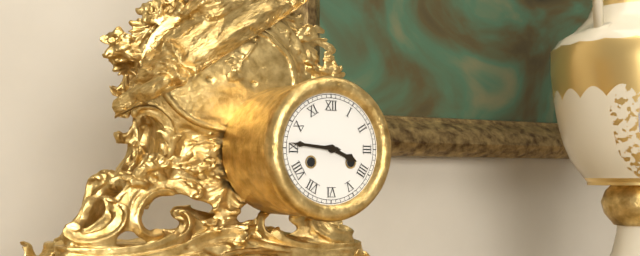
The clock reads {"hour": 3, "minute": 46}
